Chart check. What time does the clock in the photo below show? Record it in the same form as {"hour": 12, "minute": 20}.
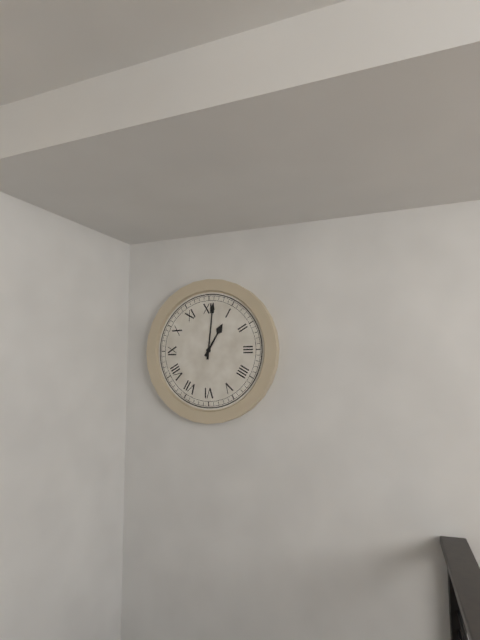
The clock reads {"hour": 1, "minute": 1}
